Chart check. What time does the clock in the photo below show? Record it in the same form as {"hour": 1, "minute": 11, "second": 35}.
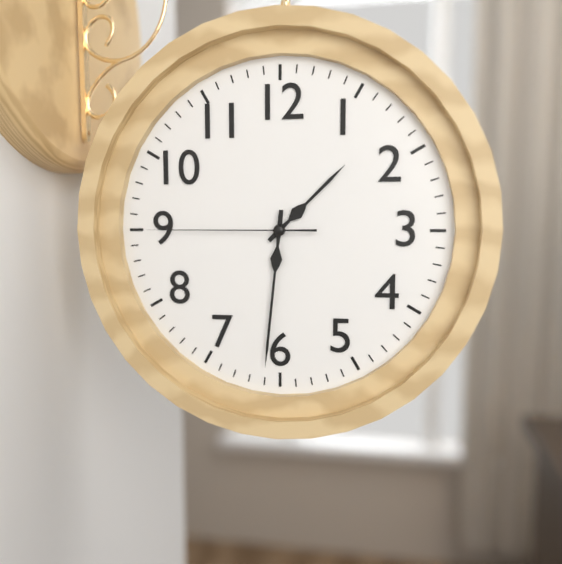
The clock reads {"hour": 1, "minute": 31, "second": 45}
